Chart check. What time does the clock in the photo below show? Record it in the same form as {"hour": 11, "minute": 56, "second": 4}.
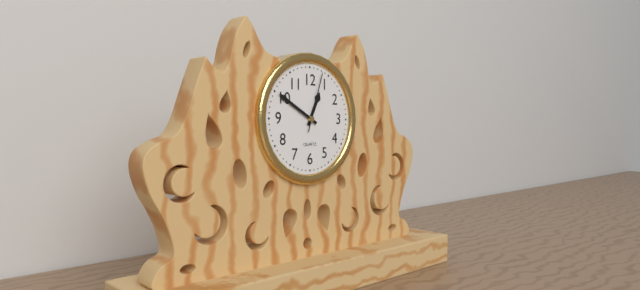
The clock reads {"hour": 12, "minute": 50, "second": 3}
